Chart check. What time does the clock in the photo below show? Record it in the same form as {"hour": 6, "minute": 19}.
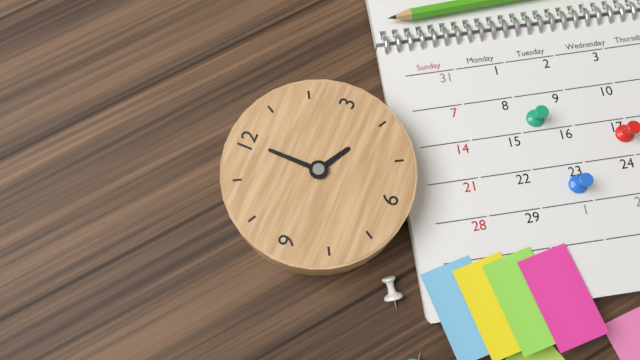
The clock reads {"hour": 4, "minute": 0}
